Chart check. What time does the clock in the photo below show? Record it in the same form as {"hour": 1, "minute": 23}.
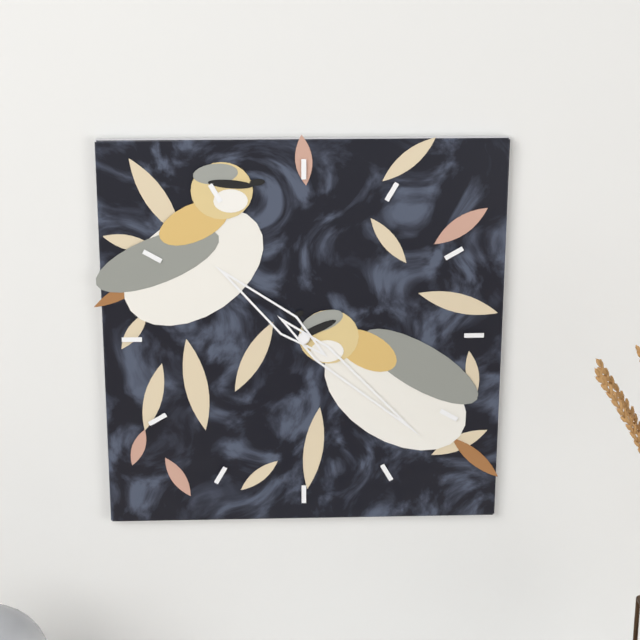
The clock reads {"hour": 10, "minute": 22}
